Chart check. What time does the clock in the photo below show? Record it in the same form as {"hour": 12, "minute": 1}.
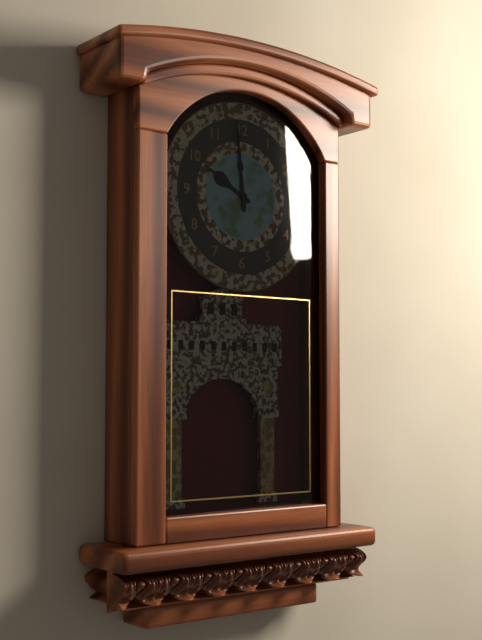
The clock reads {"hour": 9, "minute": 59}
